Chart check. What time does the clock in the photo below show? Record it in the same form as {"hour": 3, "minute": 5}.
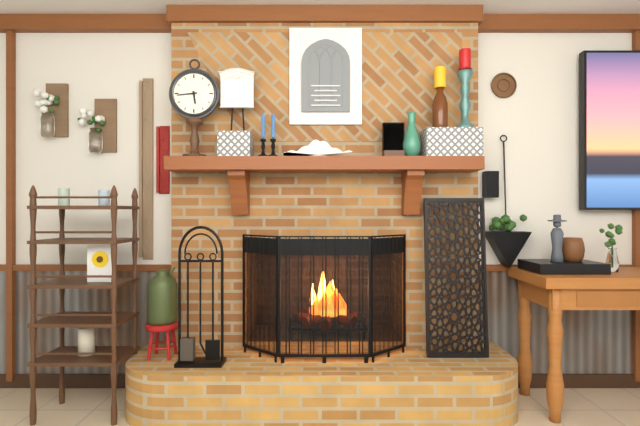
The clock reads {"hour": 5, "minute": 44}
